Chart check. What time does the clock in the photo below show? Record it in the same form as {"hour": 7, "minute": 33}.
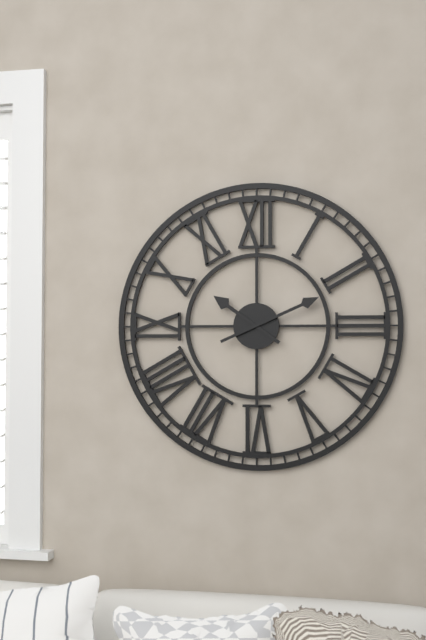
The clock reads {"hour": 10, "minute": 11}
